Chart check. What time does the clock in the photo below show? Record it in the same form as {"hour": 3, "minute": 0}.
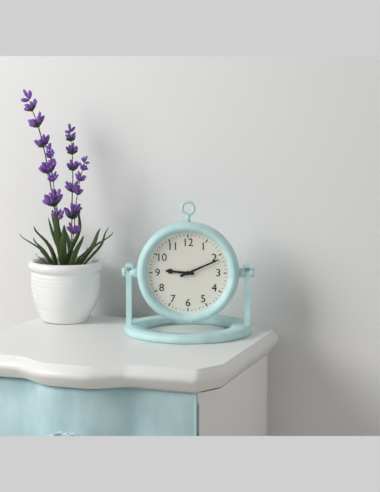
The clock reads {"hour": 9, "minute": 11}
